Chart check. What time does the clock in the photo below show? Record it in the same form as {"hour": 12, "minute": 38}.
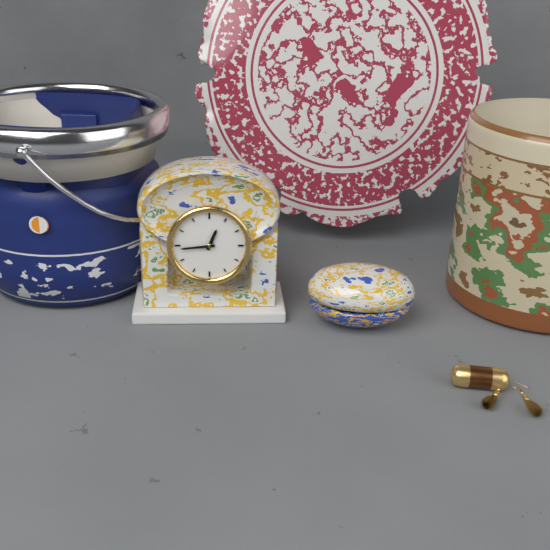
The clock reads {"hour": 12, "minute": 44}
